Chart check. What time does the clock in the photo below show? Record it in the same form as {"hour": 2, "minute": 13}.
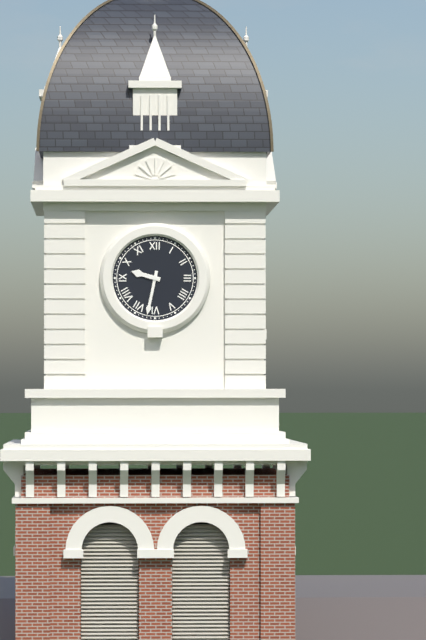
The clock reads {"hour": 9, "minute": 32}
